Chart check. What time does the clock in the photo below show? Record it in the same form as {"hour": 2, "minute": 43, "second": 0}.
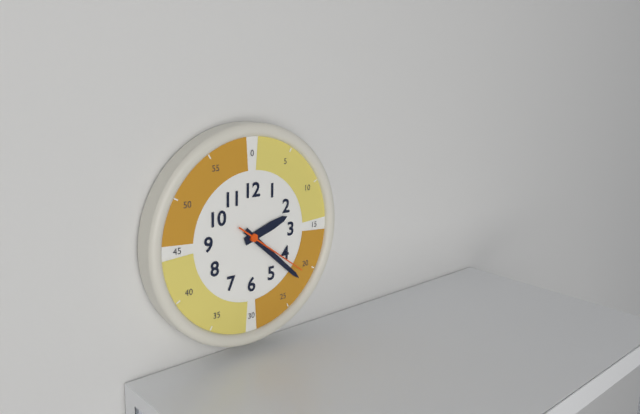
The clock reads {"hour": 2, "minute": 22, "second": 21}
